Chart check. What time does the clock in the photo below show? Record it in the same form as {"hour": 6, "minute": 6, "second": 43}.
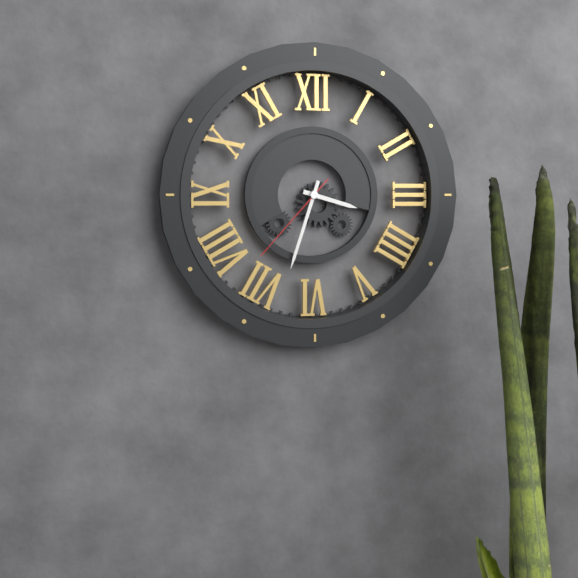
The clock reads {"hour": 3, "minute": 33, "second": 37}
